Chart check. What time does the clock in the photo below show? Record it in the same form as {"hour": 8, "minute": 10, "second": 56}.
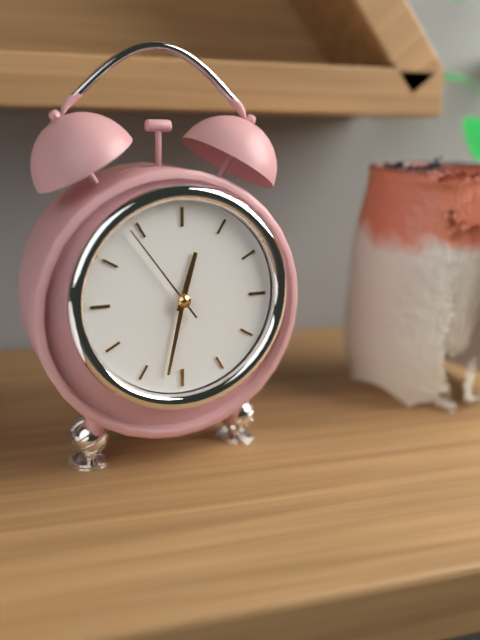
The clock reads {"hour": 12, "minute": 32, "second": 54}
